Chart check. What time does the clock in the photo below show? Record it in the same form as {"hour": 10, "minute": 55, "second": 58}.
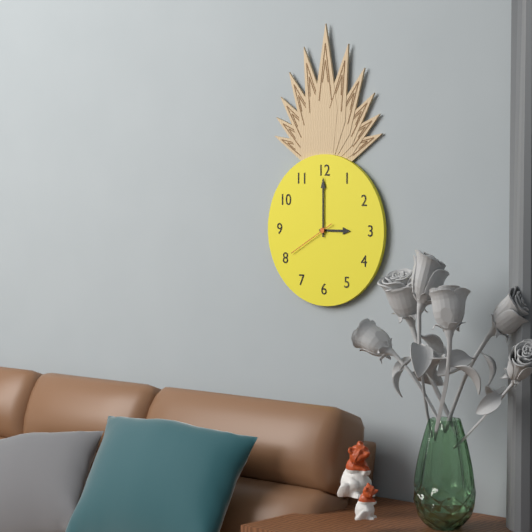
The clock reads {"hour": 3, "minute": 0, "second": 40}
